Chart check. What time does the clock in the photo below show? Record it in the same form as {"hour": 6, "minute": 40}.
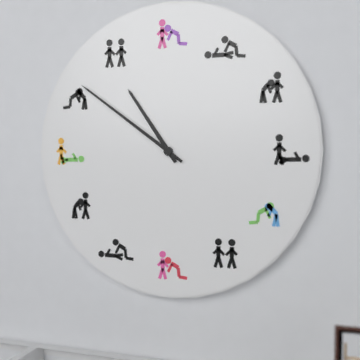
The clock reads {"hour": 10, "minute": 51}
